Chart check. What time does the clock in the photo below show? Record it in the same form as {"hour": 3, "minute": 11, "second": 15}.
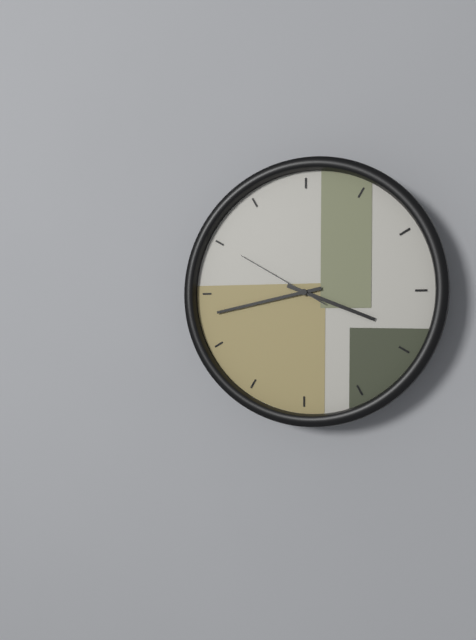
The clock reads {"hour": 3, "minute": 43, "second": 50}
